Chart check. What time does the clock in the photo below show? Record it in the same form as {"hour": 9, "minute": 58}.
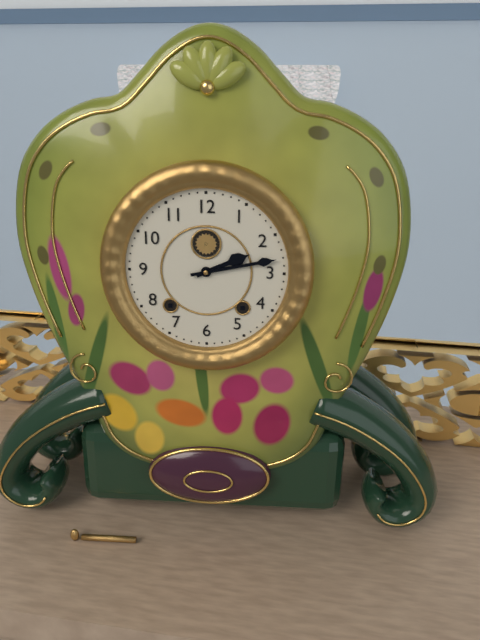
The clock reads {"hour": 2, "minute": 13}
